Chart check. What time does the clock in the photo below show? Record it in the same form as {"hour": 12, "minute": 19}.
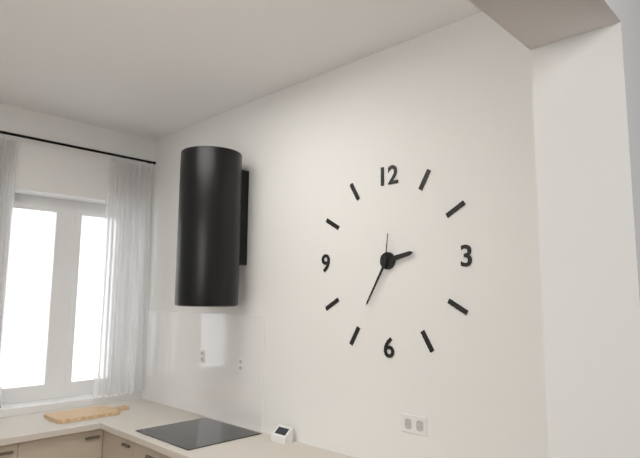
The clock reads {"hour": 2, "minute": 35}
